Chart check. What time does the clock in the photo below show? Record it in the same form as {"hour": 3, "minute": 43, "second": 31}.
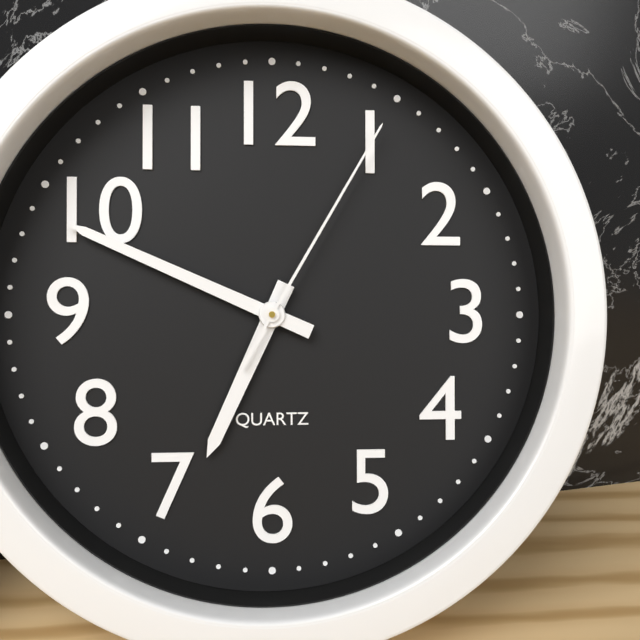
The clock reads {"hour": 6, "minute": 49, "second": 5}
